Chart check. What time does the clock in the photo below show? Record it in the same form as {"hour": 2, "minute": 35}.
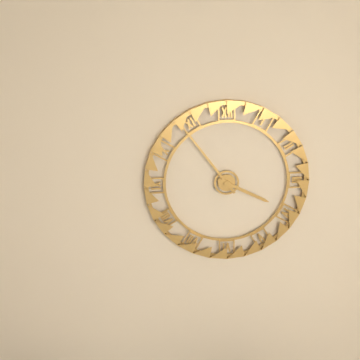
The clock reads {"hour": 3, "minute": 54}
